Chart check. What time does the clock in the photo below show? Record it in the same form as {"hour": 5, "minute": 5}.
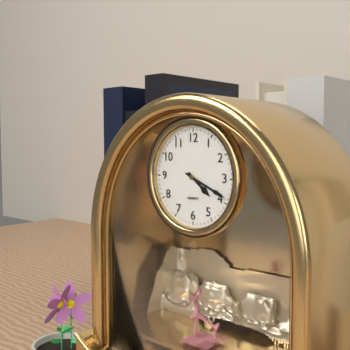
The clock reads {"hour": 4, "minute": 19}
